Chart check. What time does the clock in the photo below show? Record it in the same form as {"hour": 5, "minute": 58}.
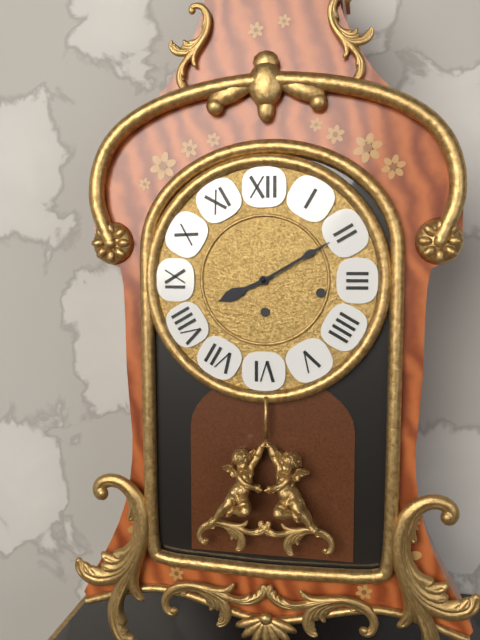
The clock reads {"hour": 8, "minute": 10}
